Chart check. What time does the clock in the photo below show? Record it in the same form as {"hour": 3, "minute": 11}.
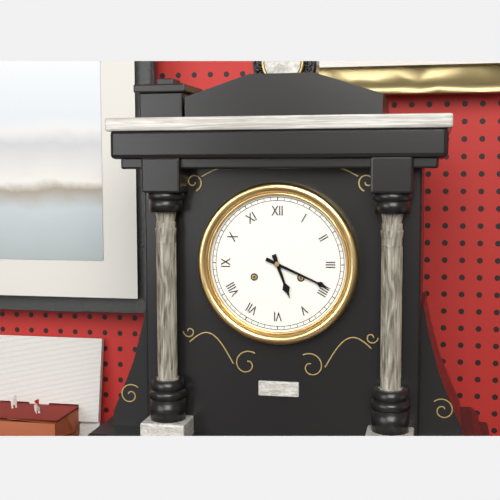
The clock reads {"hour": 5, "minute": 19}
